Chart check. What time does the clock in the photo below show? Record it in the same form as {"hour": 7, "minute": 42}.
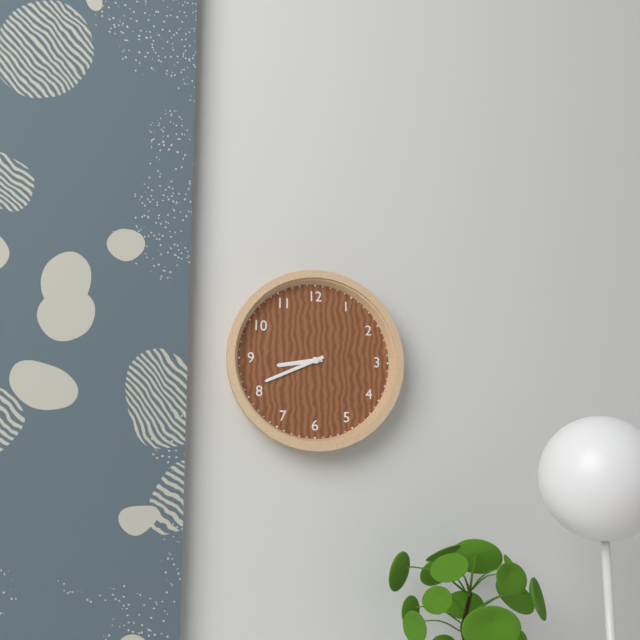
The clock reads {"hour": 8, "minute": 41}
